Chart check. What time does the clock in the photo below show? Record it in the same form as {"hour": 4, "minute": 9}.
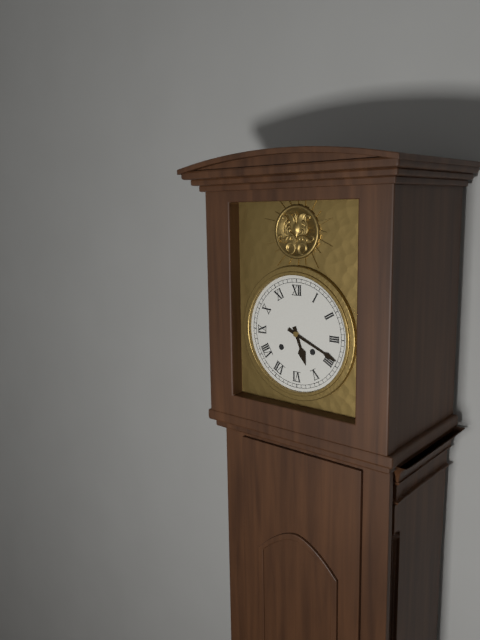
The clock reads {"hour": 5, "minute": 19}
